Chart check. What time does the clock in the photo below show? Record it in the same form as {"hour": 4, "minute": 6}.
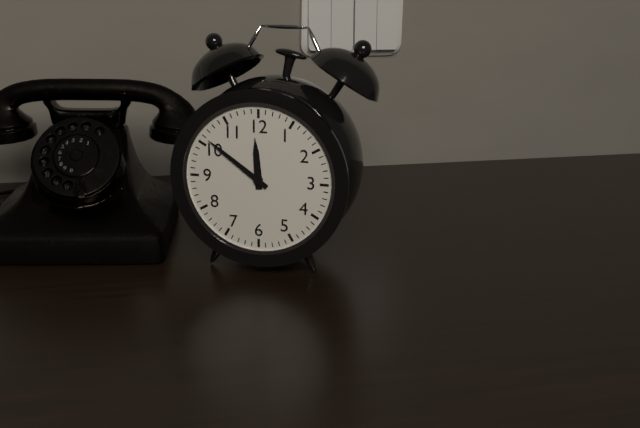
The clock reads {"hour": 11, "minute": 51}
